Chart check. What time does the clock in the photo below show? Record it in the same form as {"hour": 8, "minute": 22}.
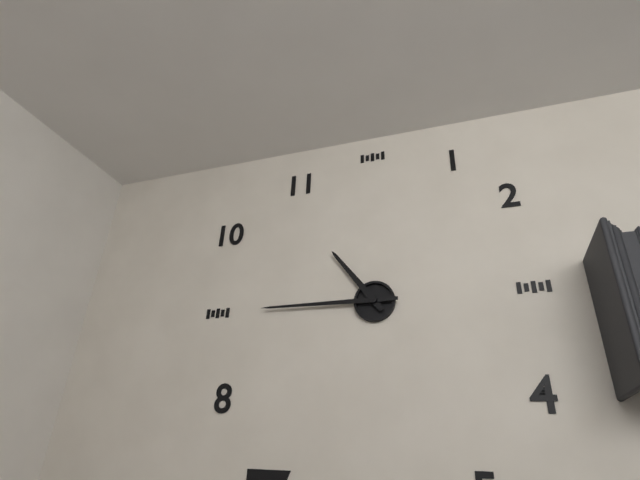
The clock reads {"hour": 10, "minute": 45}
